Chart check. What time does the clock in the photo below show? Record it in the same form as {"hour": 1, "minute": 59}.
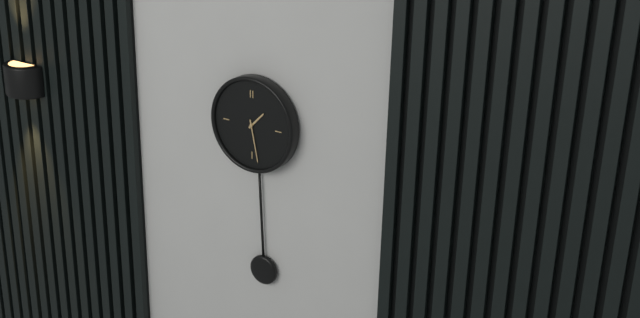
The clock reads {"hour": 1, "minute": 28}
